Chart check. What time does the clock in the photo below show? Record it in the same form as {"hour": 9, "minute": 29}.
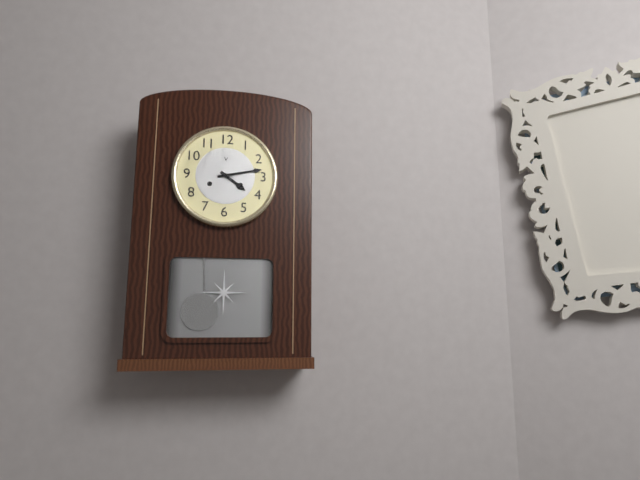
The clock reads {"hour": 4, "minute": 13}
